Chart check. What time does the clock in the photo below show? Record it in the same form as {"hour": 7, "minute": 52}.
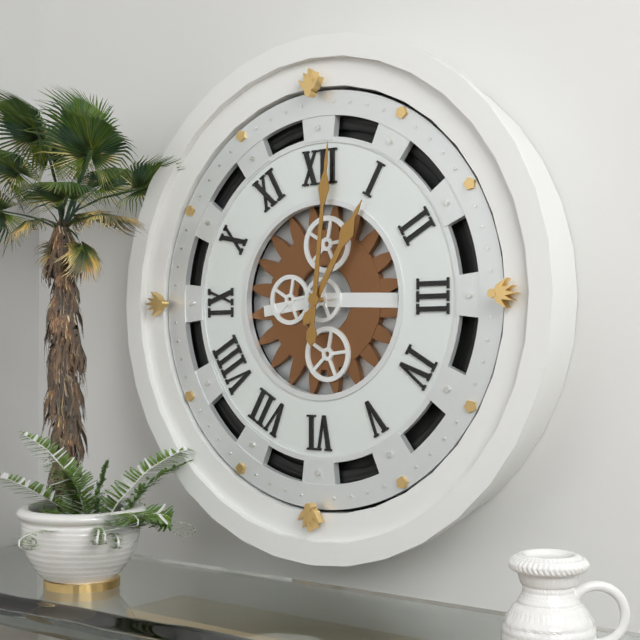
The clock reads {"hour": 1, "minute": 1}
